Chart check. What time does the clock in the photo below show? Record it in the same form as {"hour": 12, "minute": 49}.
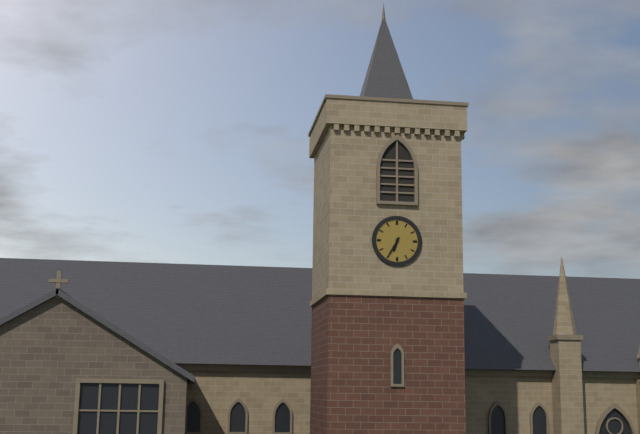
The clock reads {"hour": 6, "minute": 35}
